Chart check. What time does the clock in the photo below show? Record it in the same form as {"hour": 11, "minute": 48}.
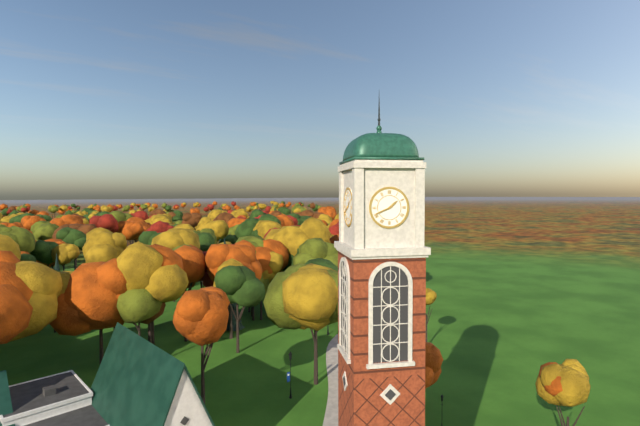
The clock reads {"hour": 1, "minute": 41}
